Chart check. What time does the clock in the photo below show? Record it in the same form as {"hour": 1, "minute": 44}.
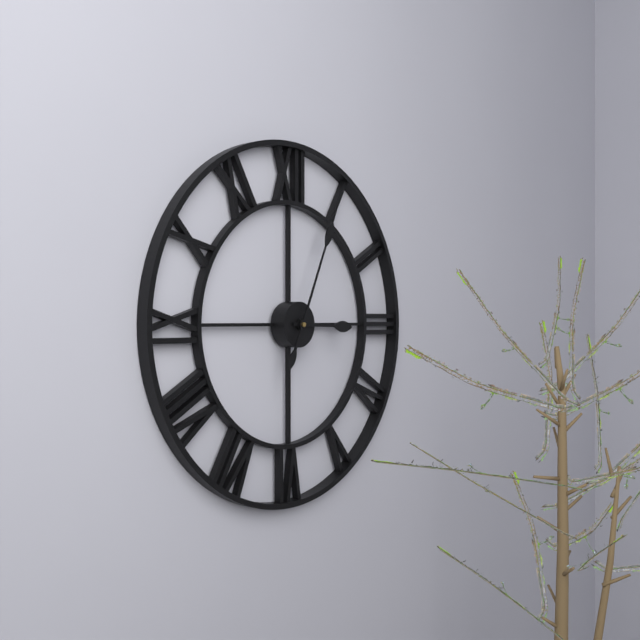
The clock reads {"hour": 3, "minute": 4}
